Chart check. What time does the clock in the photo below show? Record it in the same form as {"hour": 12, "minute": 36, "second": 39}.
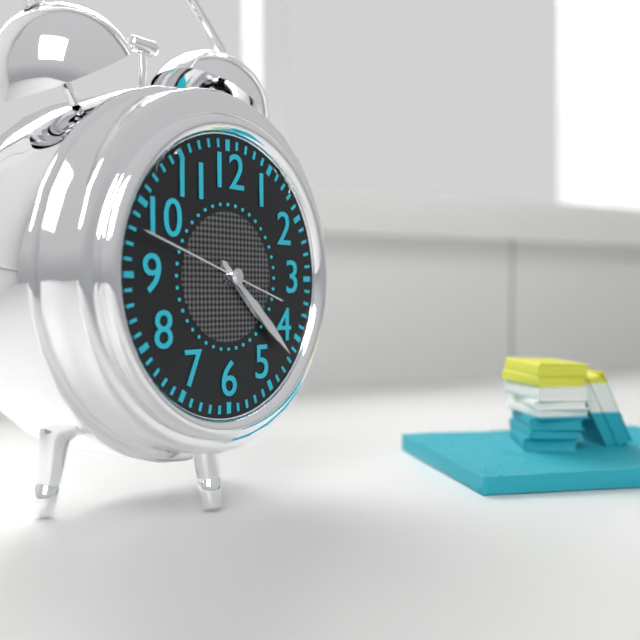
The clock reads {"hour": 4, "minute": 22, "second": 48}
